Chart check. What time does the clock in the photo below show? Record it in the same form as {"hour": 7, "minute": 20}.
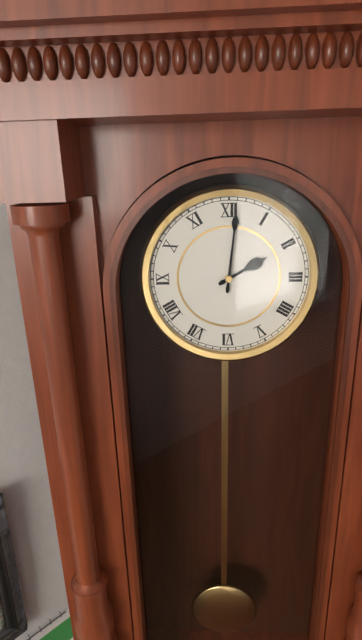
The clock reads {"hour": 2, "minute": 1}
